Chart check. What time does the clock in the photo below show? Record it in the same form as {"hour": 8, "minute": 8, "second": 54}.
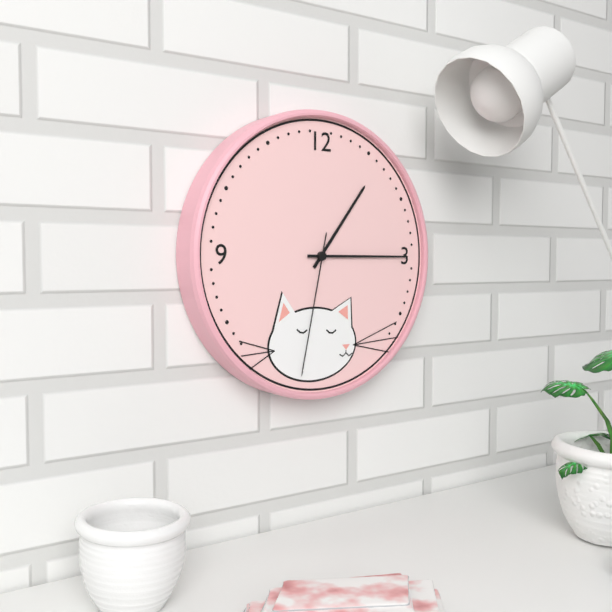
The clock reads {"hour": 1, "minute": 15, "second": 32}
